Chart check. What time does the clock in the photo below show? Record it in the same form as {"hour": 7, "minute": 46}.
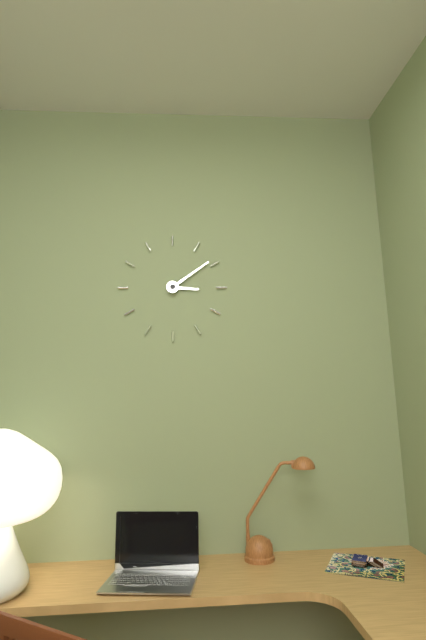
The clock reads {"hour": 3, "minute": 9}
